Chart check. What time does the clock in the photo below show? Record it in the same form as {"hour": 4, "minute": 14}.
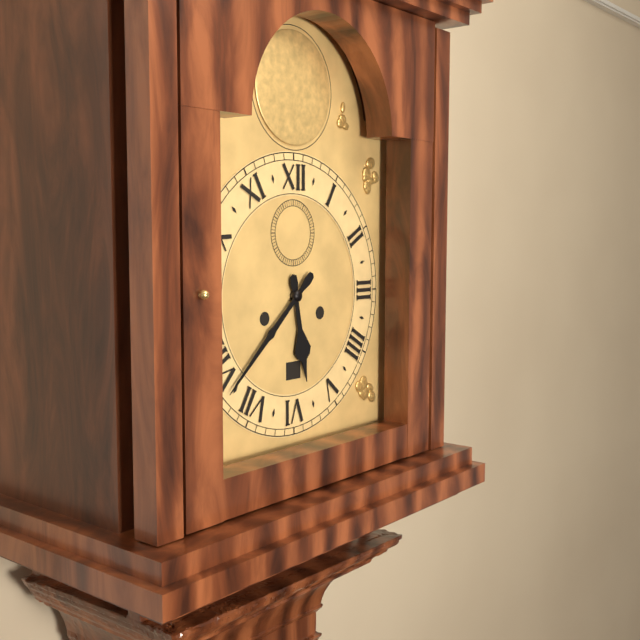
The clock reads {"hour": 5, "minute": 38}
